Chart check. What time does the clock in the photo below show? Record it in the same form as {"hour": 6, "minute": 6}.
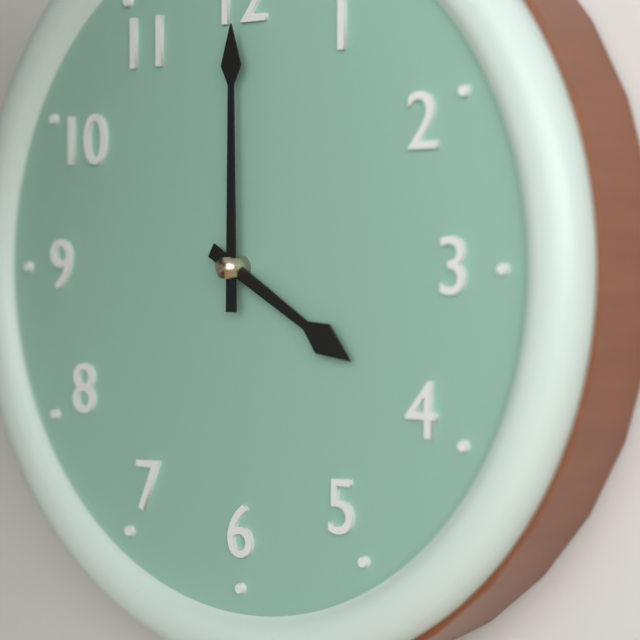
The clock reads {"hour": 4, "minute": 0}
